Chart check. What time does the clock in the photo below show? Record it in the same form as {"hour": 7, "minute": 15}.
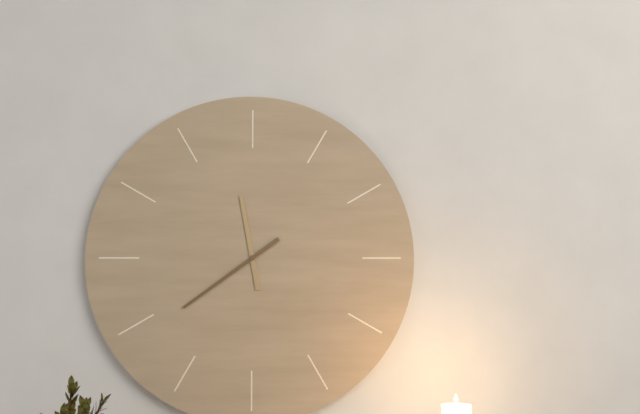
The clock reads {"hour": 11, "minute": 39}
